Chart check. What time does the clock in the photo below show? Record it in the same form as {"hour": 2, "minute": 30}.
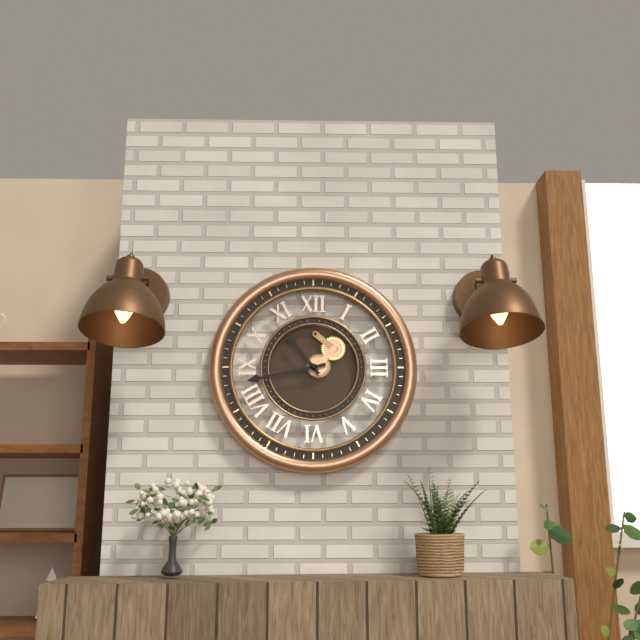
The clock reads {"hour": 10, "minute": 43}
